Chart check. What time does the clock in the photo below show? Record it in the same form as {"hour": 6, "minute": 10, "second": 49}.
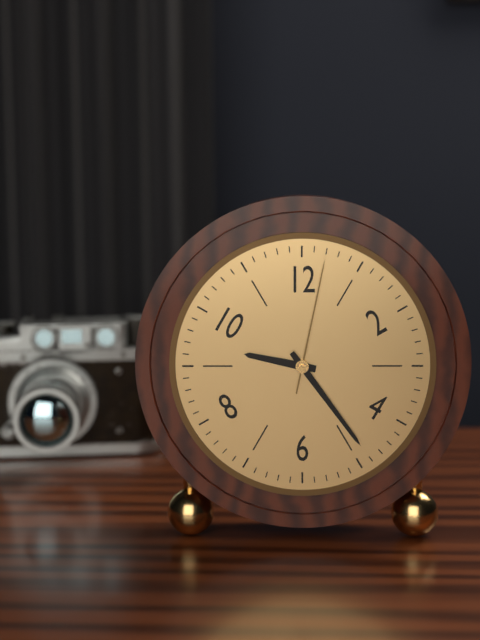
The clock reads {"hour": 9, "minute": 24, "second": 2}
